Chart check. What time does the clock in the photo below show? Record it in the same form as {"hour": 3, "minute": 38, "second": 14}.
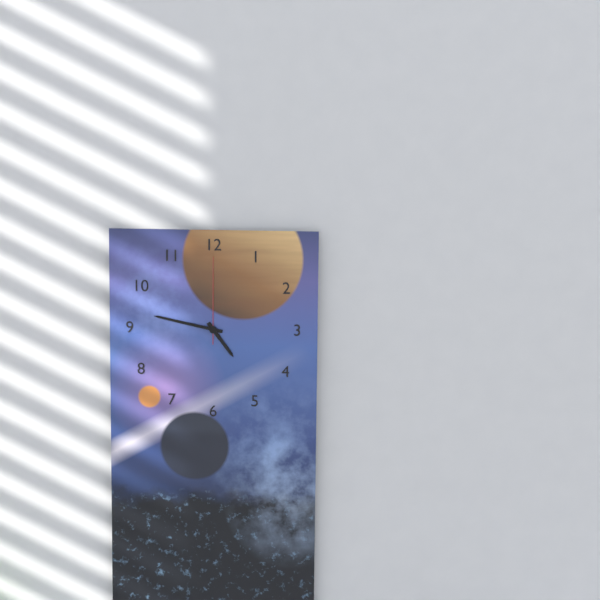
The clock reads {"hour": 4, "minute": 47, "second": 0}
